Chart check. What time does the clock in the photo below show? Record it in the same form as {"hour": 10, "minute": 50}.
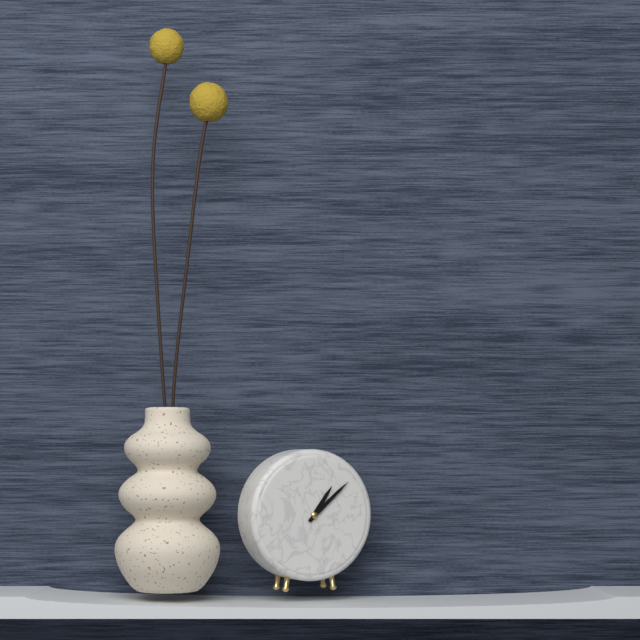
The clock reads {"hour": 1, "minute": 8}
